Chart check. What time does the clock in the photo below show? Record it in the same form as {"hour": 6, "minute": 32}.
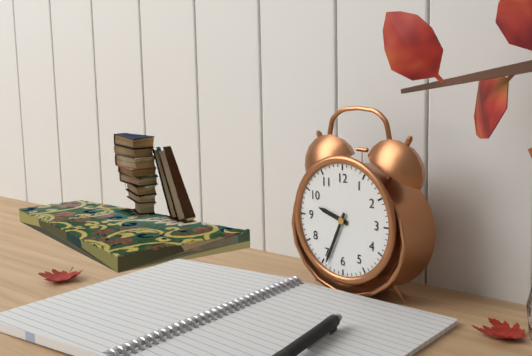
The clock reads {"hour": 9, "minute": 34}
